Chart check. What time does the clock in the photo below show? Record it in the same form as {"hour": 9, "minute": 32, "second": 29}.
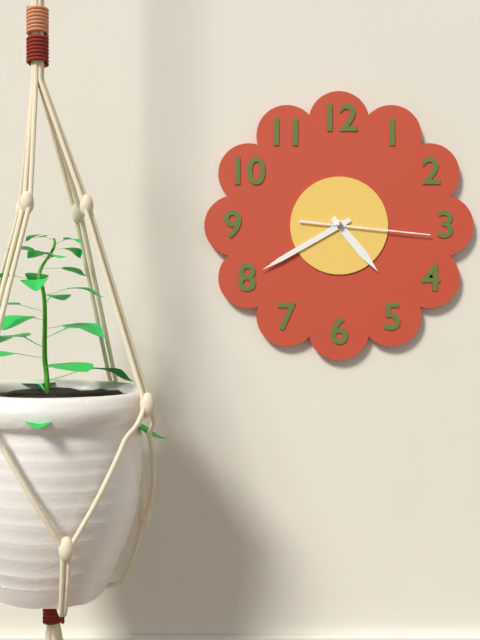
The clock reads {"hour": 4, "minute": 40, "second": 16}
